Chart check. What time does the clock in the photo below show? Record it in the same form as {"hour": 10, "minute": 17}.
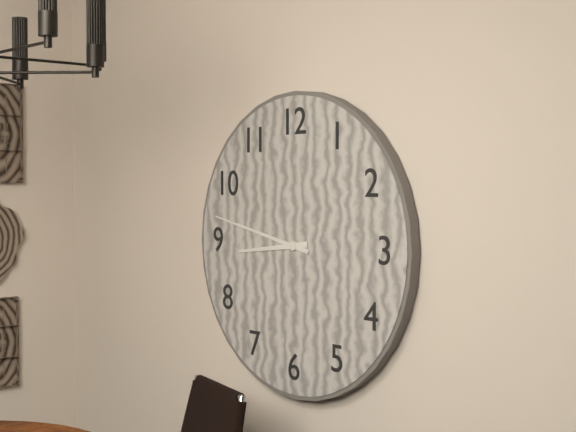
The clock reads {"hour": 8, "minute": 47}
